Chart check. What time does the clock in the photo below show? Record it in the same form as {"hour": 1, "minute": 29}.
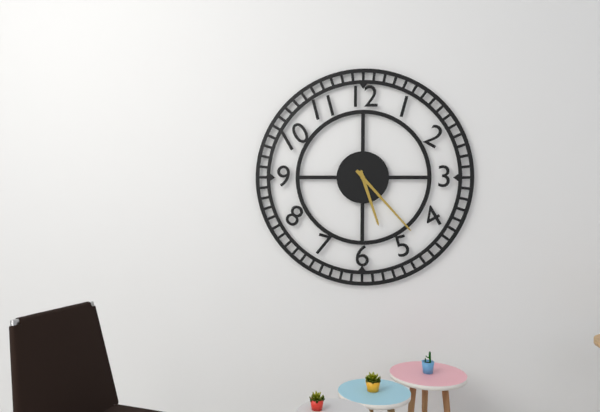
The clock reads {"hour": 5, "minute": 23}
